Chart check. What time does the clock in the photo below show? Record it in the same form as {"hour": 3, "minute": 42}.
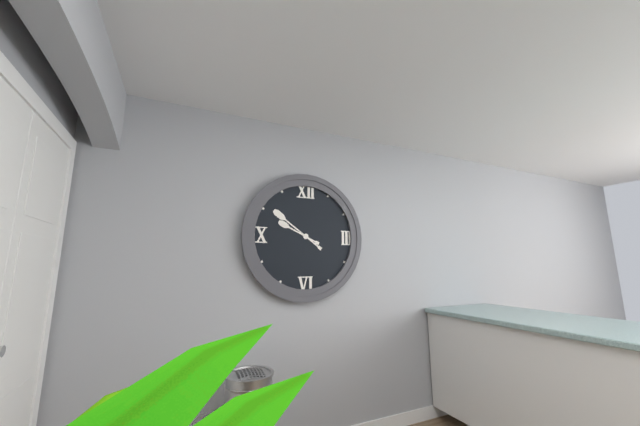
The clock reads {"hour": 9, "minute": 51}
